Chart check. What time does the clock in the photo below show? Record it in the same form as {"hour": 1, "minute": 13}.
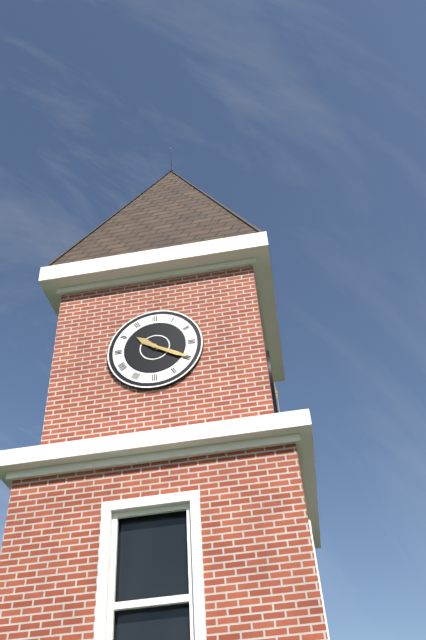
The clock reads {"hour": 10, "minute": 20}
